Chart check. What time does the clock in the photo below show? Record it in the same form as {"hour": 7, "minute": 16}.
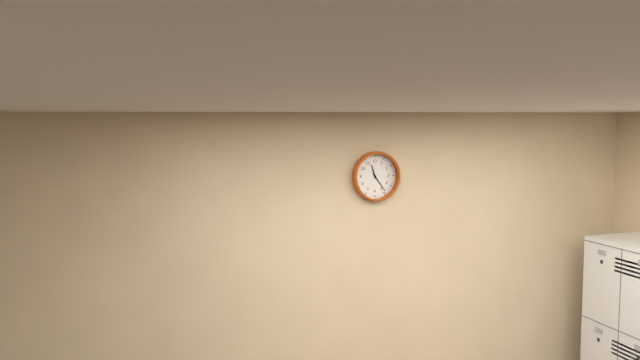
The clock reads {"hour": 11, "minute": 24}
